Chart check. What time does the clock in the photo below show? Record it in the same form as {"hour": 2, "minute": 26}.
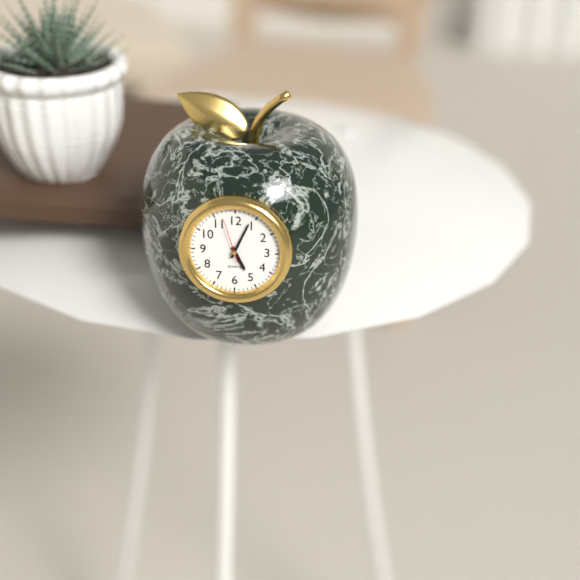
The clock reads {"hour": 5, "minute": 4}
